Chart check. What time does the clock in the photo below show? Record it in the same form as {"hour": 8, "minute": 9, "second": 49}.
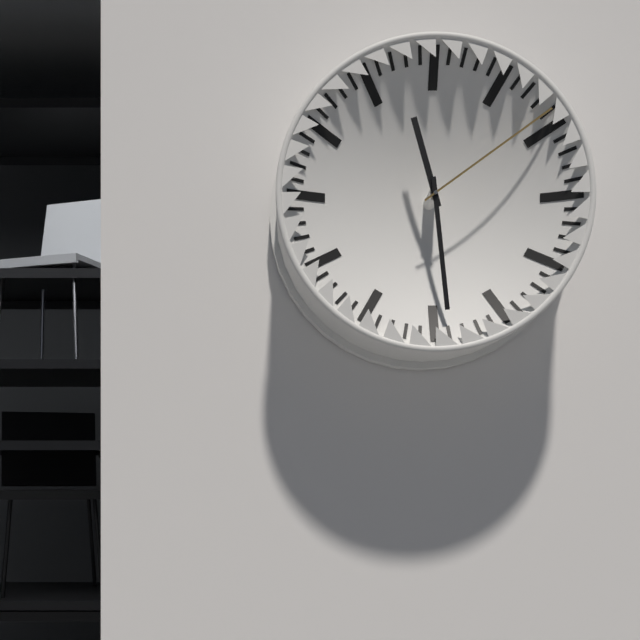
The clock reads {"hour": 11, "minute": 29, "second": 9}
